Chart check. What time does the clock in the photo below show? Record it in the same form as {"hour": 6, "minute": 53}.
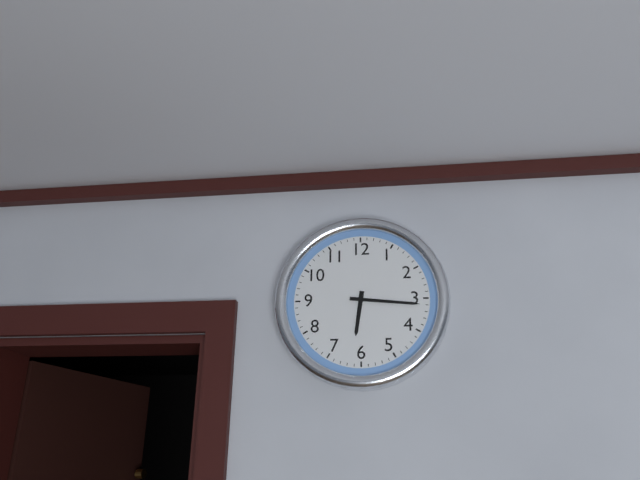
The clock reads {"hour": 6, "minute": 16}
